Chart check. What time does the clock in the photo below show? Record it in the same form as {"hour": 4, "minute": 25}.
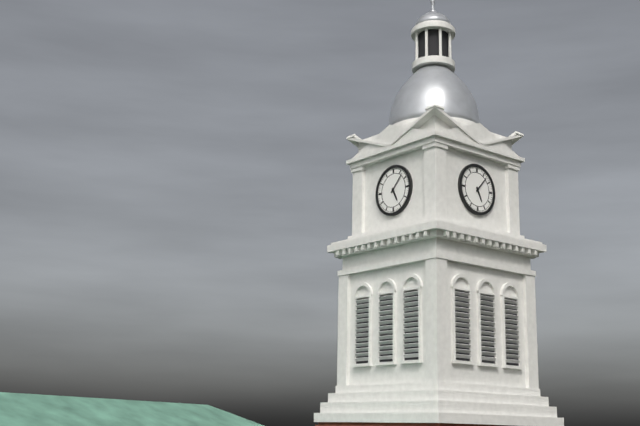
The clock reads {"hour": 5, "minute": 7}
